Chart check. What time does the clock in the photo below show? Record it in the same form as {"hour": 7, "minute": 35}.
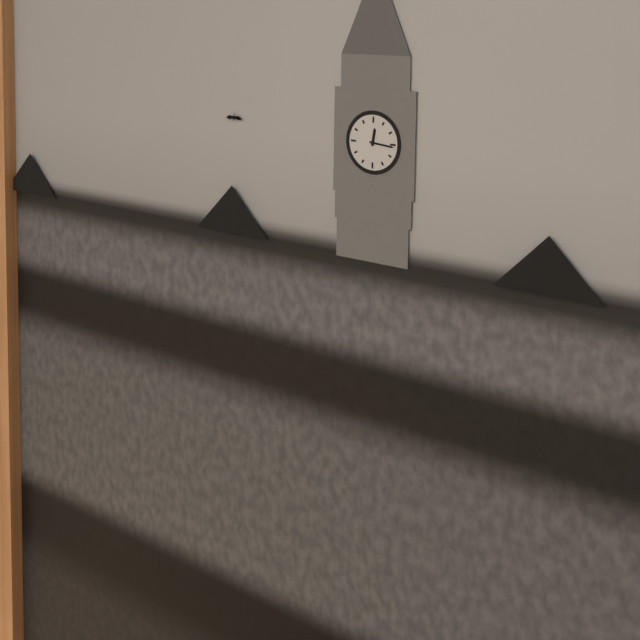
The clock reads {"hour": 12, "minute": 16}
